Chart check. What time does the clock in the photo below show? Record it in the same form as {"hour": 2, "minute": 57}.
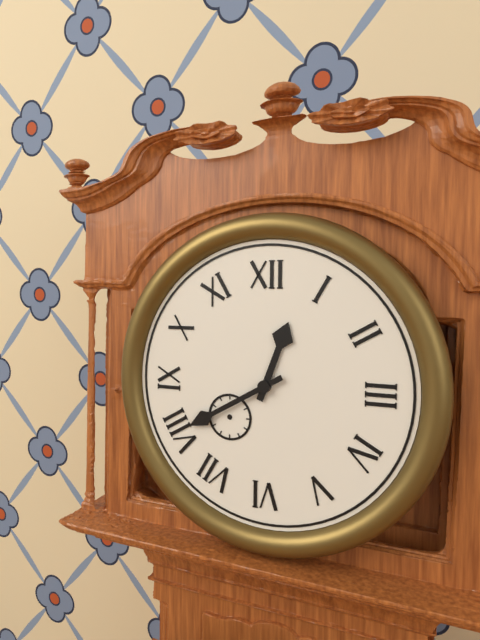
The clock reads {"hour": 12, "minute": 40}
